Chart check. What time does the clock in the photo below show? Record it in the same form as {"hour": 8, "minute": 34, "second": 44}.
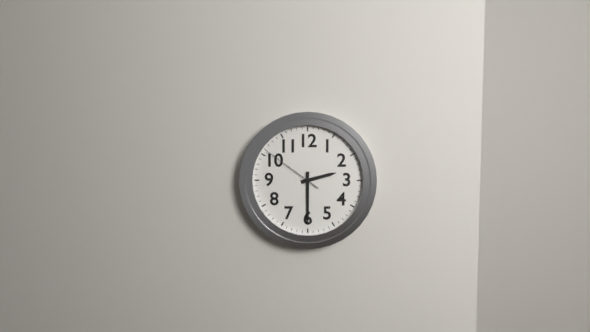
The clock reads {"hour": 2, "minute": 30, "second": 51}
